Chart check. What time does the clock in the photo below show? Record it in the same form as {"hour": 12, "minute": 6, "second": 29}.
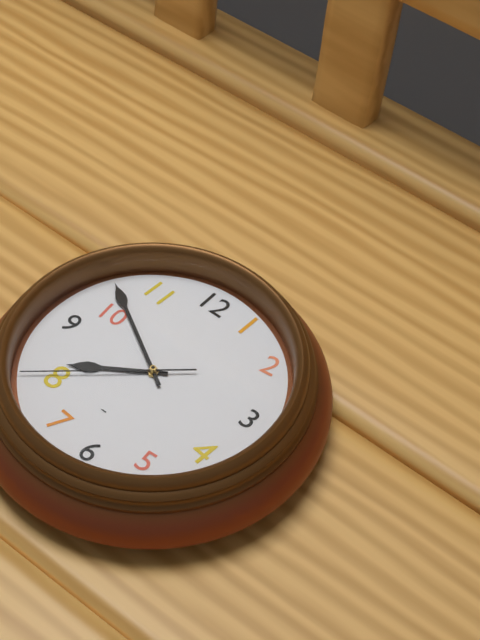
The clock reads {"hour": 7, "minute": 50, "second": 38}
